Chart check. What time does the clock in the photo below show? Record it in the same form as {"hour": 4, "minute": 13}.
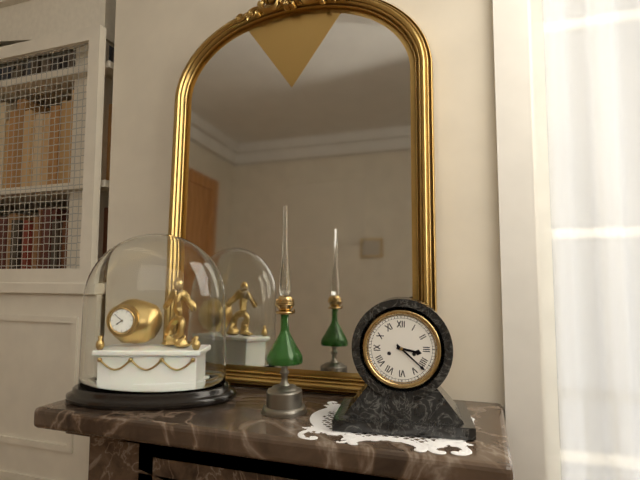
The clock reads {"hour": 3, "minute": 22}
